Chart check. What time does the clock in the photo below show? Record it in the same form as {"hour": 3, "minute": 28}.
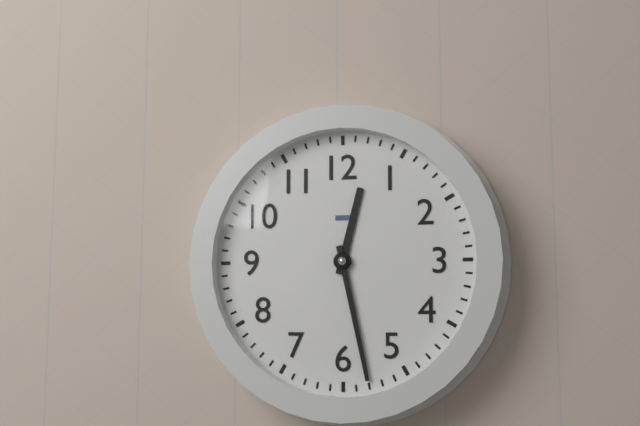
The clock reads {"hour": 12, "minute": 28}
